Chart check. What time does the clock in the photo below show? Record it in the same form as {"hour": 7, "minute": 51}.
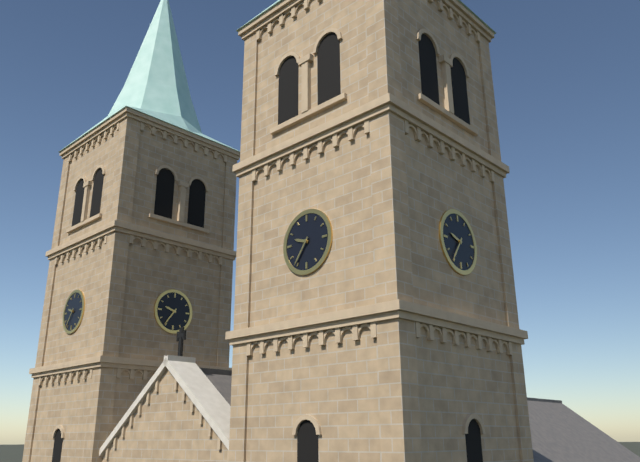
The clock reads {"hour": 9, "minute": 36}
